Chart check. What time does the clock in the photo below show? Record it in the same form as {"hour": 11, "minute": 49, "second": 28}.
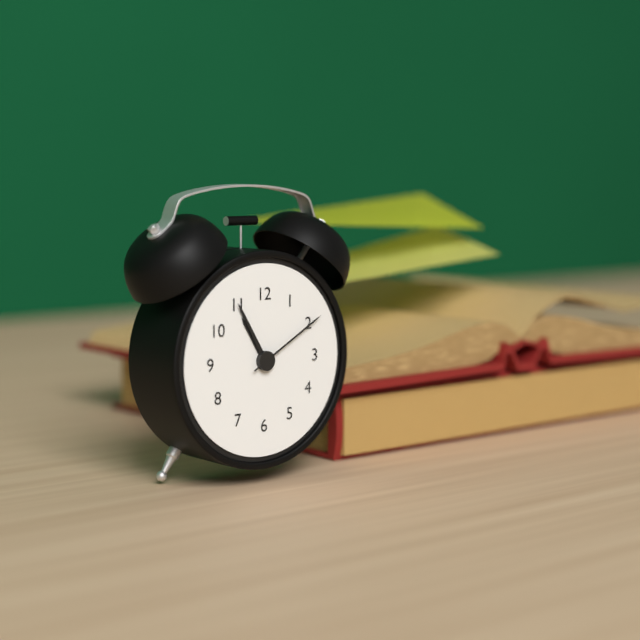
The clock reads {"hour": 10, "minute": 55, "second": 10}
